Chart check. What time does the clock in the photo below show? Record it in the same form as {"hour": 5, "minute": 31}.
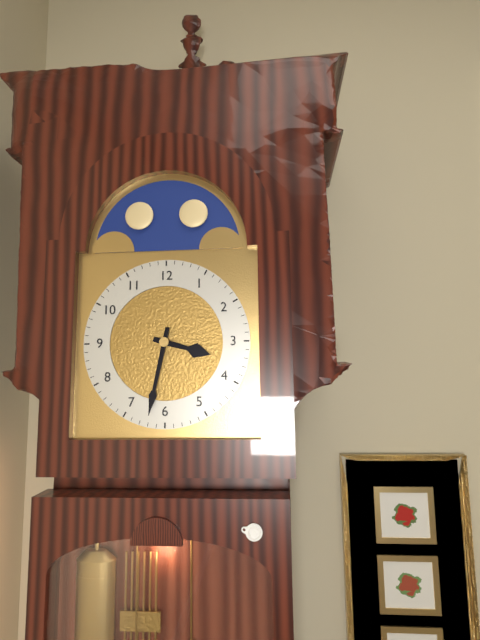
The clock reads {"hour": 3, "minute": 32}
